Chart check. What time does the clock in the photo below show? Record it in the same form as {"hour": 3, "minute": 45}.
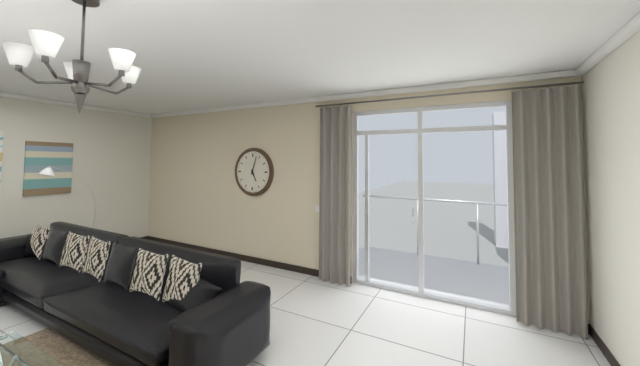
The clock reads {"hour": 5, "minute": 3}
